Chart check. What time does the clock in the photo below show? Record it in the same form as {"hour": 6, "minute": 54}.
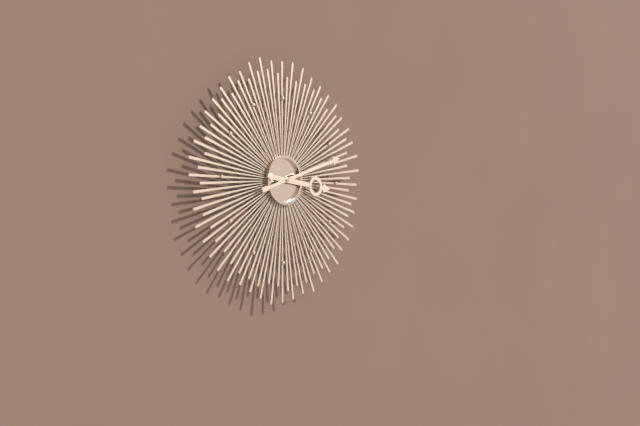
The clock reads {"hour": 3, "minute": 12}
